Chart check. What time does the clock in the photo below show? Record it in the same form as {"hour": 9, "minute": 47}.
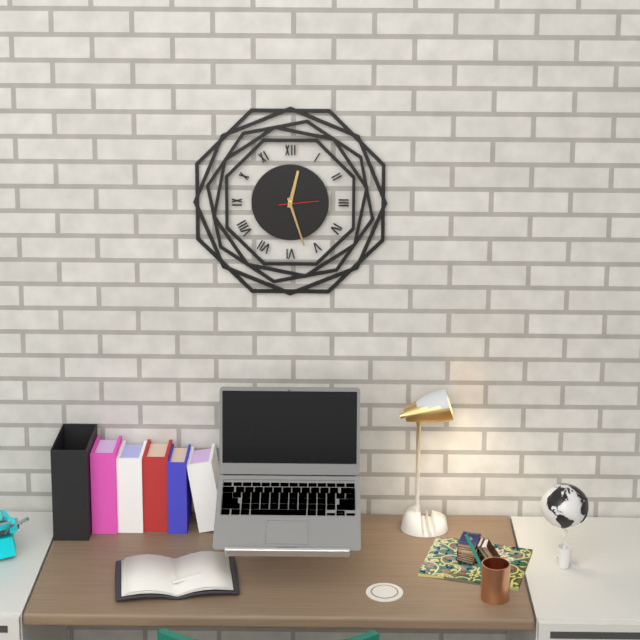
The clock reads {"hour": 12, "minute": 27}
